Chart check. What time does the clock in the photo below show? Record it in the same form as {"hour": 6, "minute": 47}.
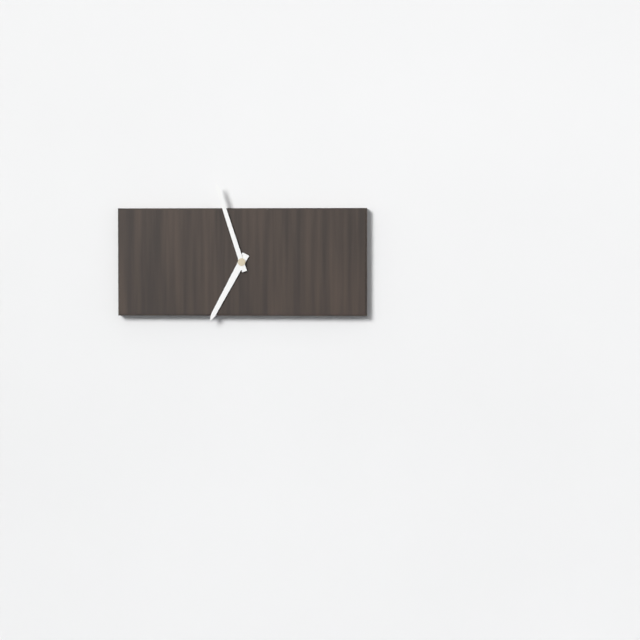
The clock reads {"hour": 6, "minute": 57}
